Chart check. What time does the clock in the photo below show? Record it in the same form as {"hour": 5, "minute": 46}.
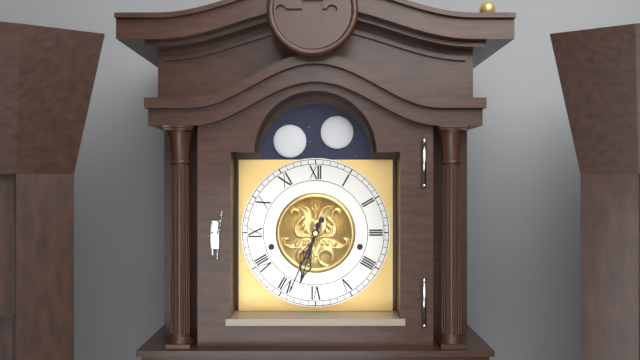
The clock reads {"hour": 6, "minute": 34}
